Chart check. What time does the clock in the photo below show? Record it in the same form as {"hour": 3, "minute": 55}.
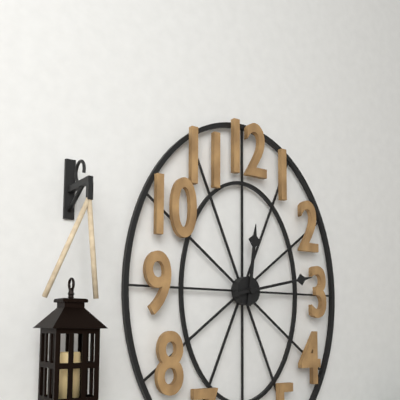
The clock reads {"hour": 12, "minute": 13}
